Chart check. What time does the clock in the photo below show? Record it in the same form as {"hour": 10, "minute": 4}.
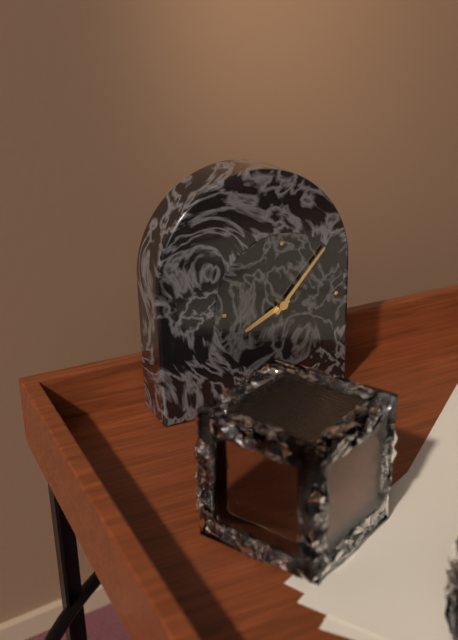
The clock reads {"hour": 8, "minute": 7}
